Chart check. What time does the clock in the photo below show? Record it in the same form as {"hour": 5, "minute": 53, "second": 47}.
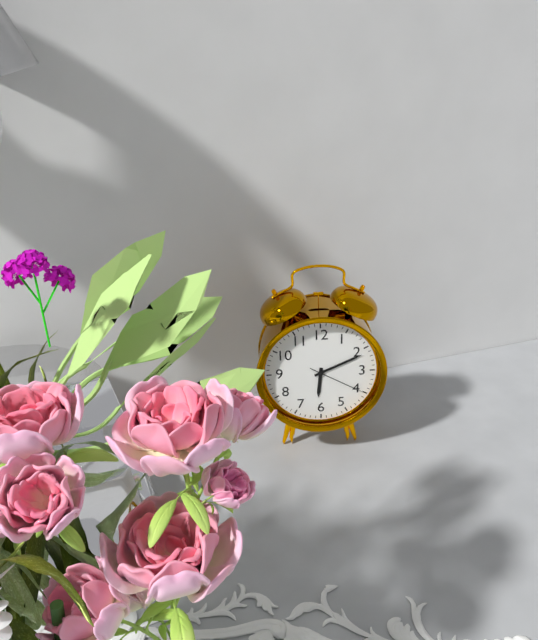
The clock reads {"hour": 6, "minute": 11, "second": 20}
